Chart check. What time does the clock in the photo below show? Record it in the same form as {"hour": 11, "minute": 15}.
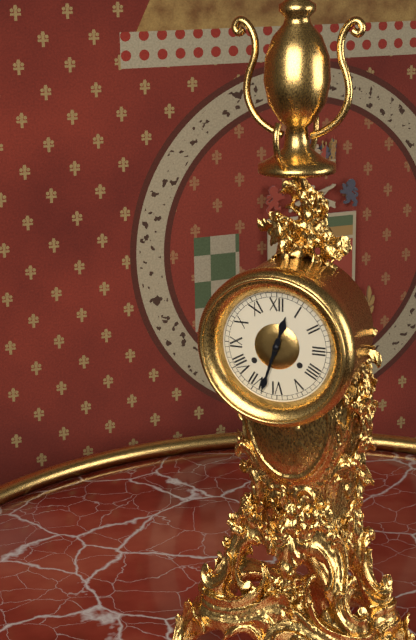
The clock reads {"hour": 12, "minute": 33}
